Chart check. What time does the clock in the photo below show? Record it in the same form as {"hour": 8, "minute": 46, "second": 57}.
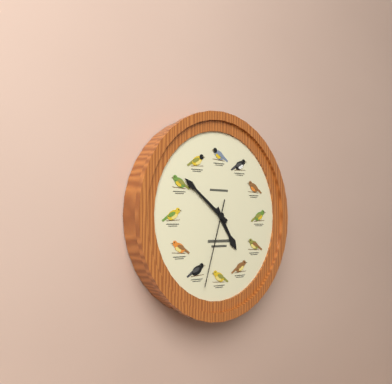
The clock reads {"hour": 4, "minute": 51, "second": 33}
